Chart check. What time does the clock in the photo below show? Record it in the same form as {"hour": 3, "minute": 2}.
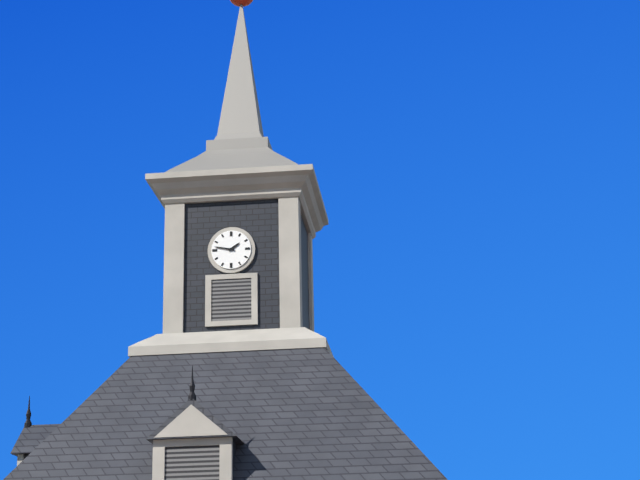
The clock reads {"hour": 1, "minute": 47}
